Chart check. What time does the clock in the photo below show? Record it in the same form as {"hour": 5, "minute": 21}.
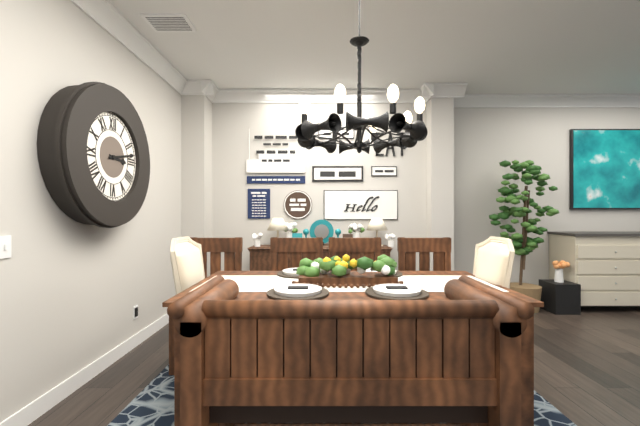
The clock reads {"hour": 3, "minute": 13}
